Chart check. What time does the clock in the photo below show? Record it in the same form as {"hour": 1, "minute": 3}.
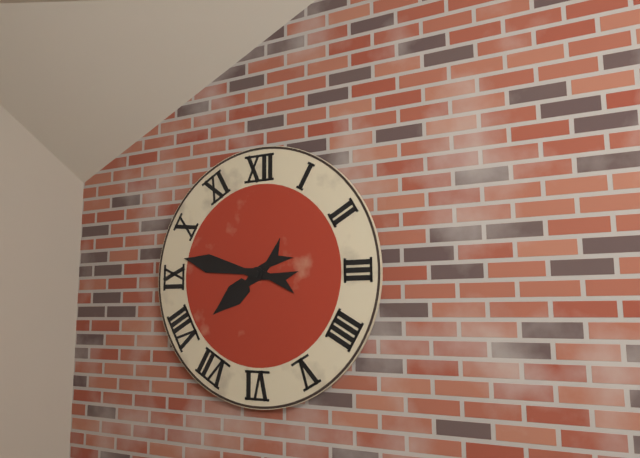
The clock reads {"hour": 7, "minute": 47}
